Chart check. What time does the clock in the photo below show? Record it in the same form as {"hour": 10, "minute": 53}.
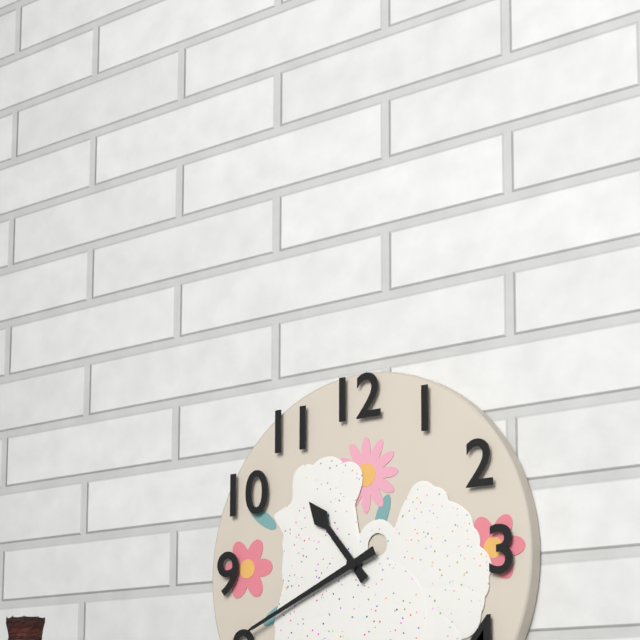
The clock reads {"hour": 10, "minute": 41}
